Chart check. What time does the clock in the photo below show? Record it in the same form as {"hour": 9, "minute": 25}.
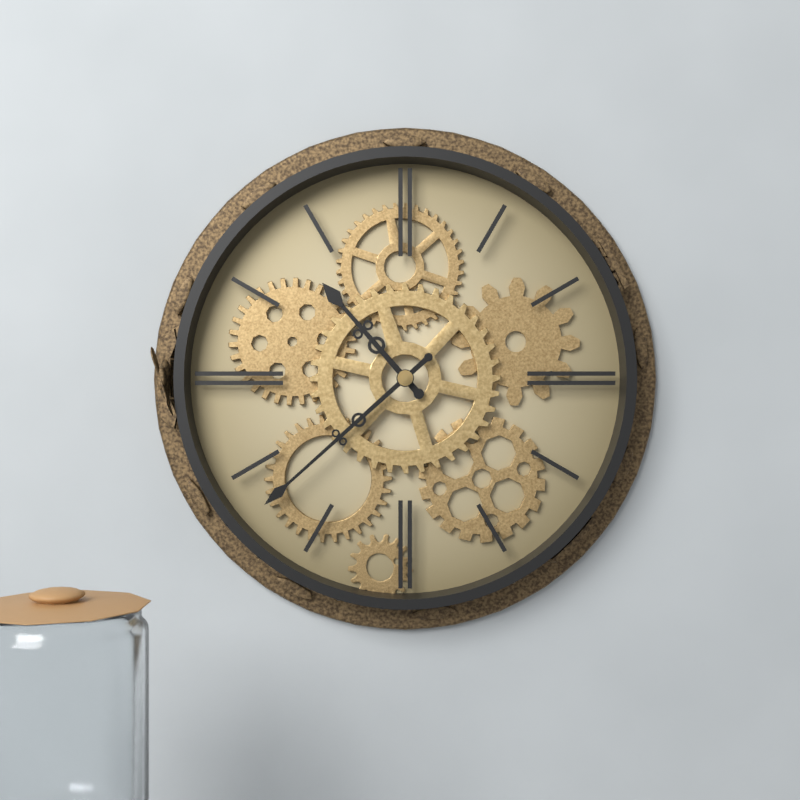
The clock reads {"hour": 10, "minute": 38}
